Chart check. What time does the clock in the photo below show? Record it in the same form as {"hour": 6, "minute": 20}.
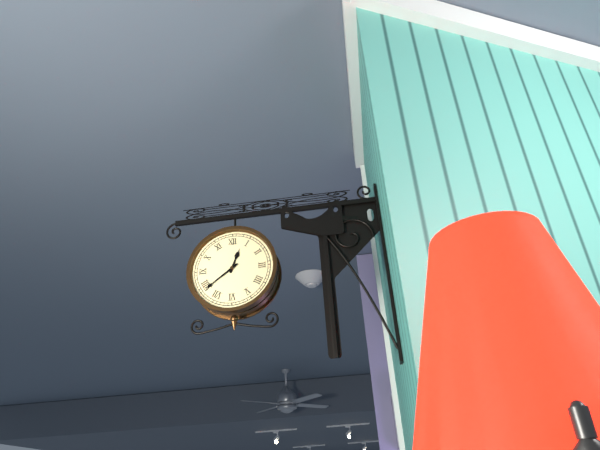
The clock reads {"hour": 12, "minute": 39}
